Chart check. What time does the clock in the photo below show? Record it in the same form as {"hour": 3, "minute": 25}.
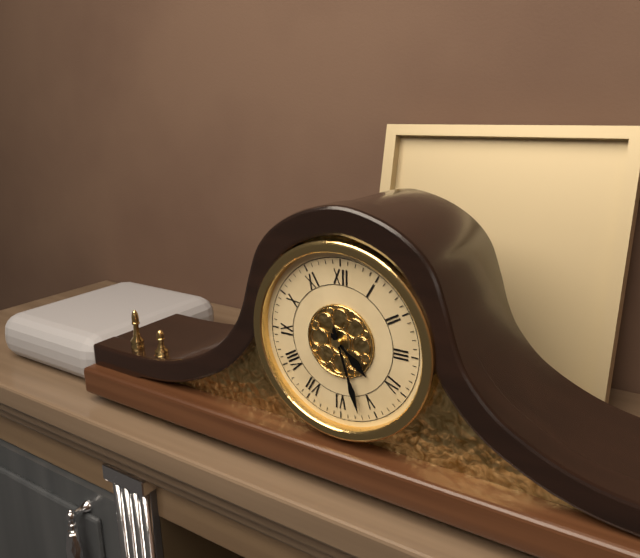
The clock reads {"hour": 4, "minute": 27}
